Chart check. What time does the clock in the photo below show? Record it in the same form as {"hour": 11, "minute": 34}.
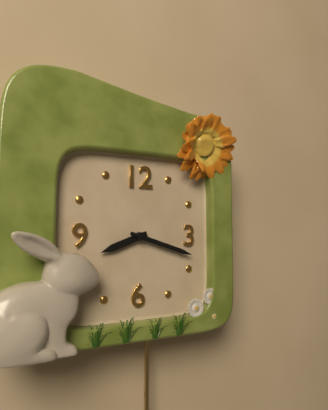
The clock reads {"hour": 8, "minute": 18}
